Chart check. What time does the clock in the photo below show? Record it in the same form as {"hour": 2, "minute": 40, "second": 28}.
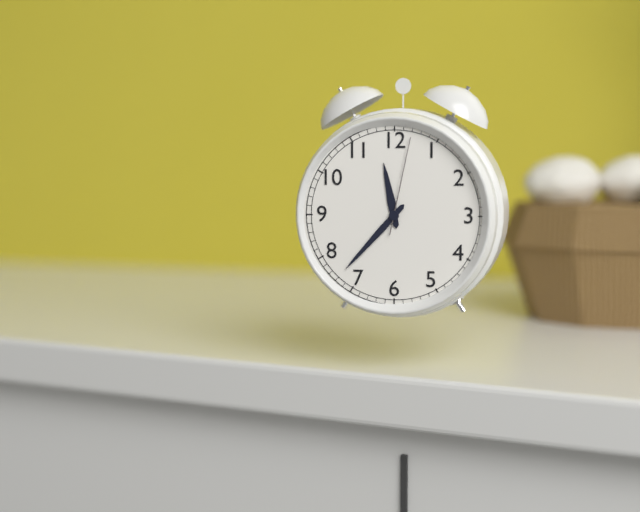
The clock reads {"hour": 11, "minute": 37, "second": 2}
